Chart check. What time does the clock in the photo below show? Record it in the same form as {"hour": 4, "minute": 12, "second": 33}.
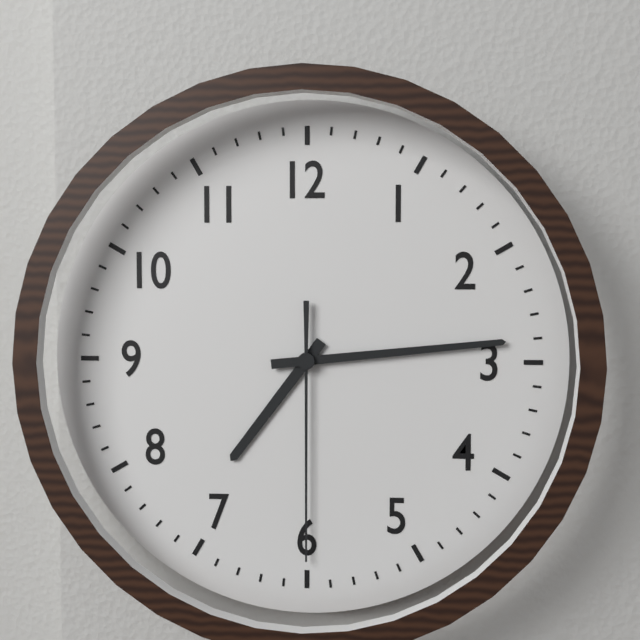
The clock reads {"hour": 7, "minute": 14, "second": 30}
